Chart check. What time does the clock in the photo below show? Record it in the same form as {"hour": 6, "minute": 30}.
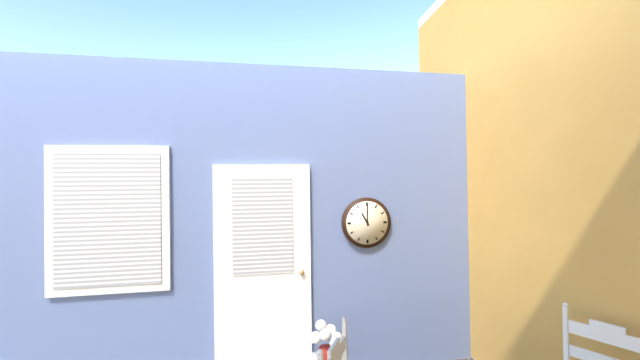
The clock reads {"hour": 11, "minute": 0}
